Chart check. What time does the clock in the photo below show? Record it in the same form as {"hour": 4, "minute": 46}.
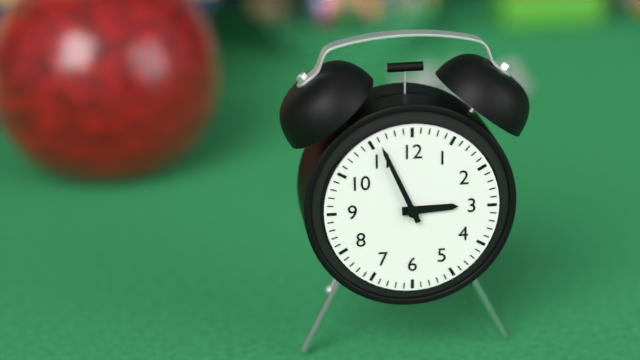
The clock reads {"hour": 2, "minute": 56}
